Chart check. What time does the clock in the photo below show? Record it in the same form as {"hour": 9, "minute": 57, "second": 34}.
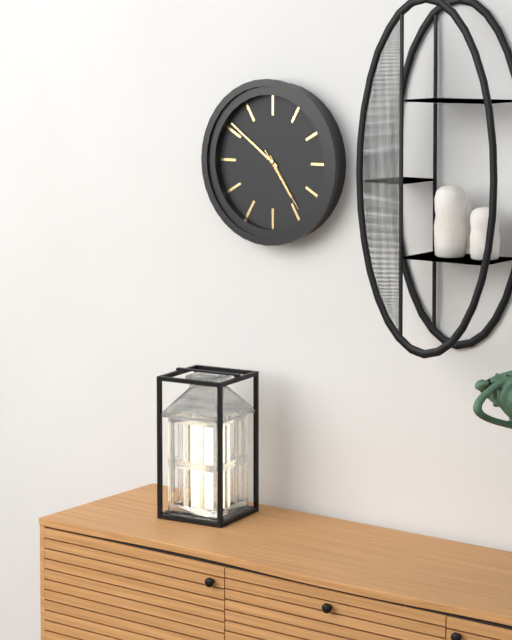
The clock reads {"hour": 4, "minute": 51, "second": 24}
